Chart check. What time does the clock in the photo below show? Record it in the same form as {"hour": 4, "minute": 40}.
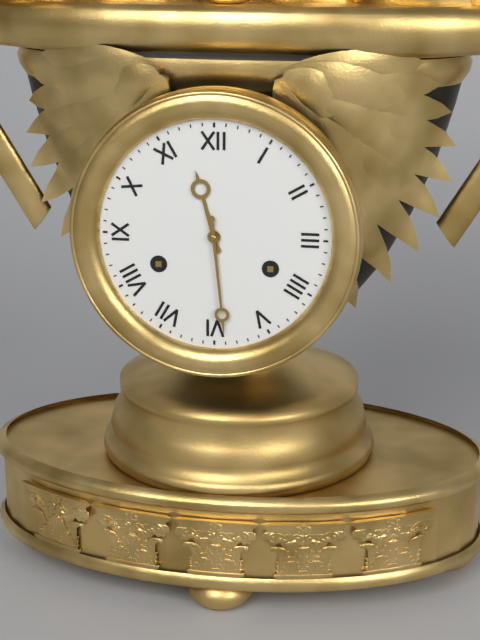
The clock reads {"hour": 11, "minute": 29}
